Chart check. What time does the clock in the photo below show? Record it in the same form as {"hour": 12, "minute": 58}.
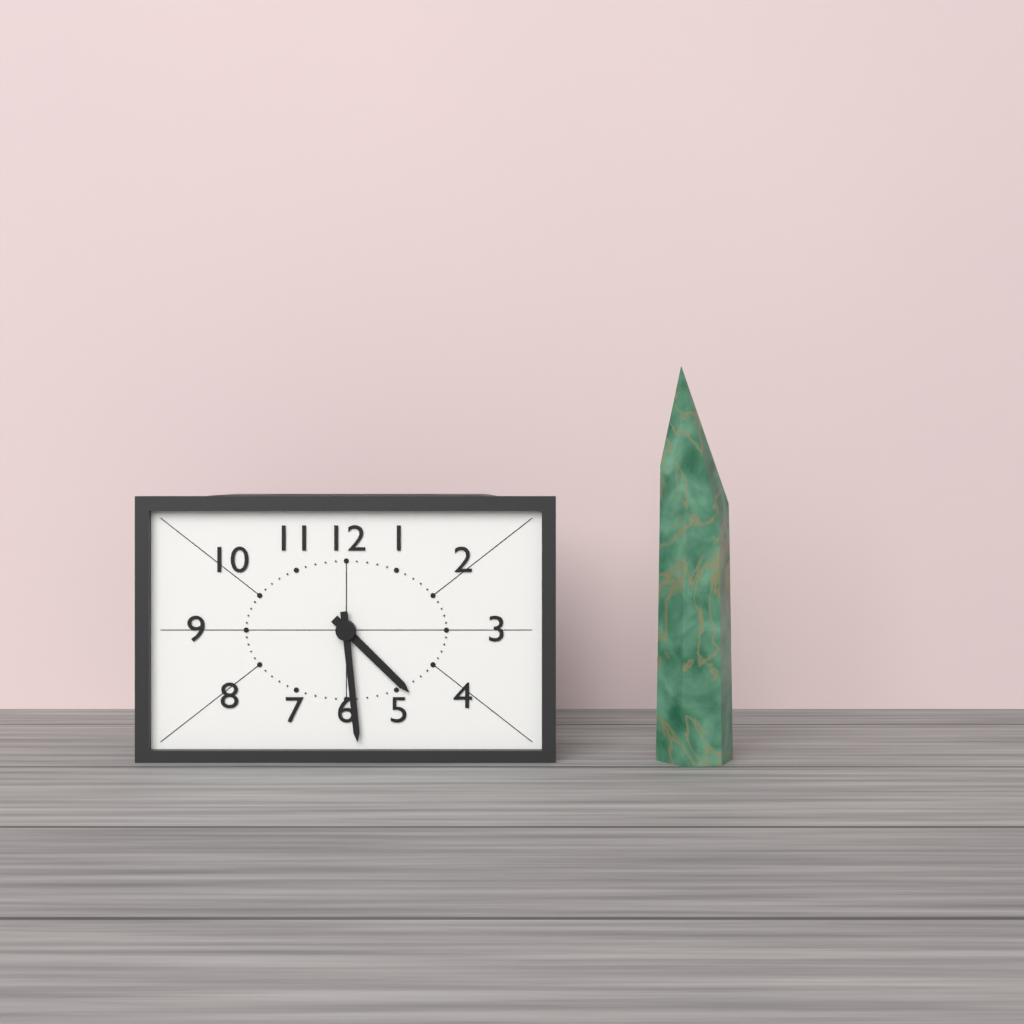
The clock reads {"hour": 4, "minute": 29}
